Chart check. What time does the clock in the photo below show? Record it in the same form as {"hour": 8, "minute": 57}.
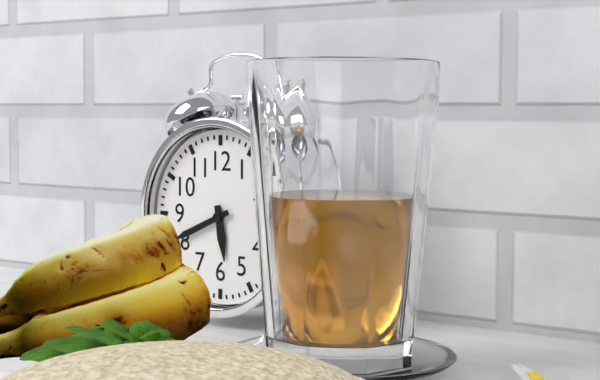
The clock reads {"hour": 5, "minute": 41}
